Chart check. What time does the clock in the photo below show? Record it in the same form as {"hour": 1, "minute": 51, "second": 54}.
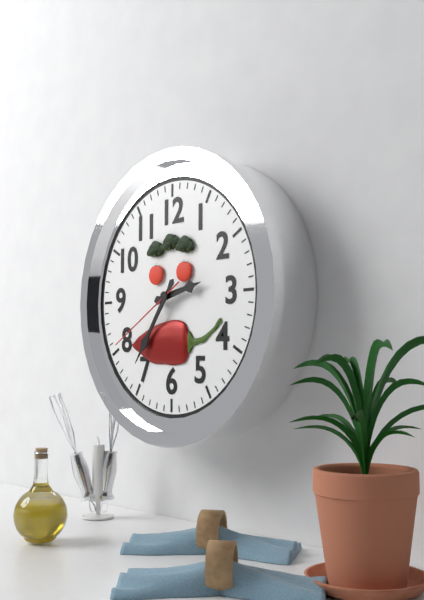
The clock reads {"hour": 2, "minute": 36, "second": 40}
